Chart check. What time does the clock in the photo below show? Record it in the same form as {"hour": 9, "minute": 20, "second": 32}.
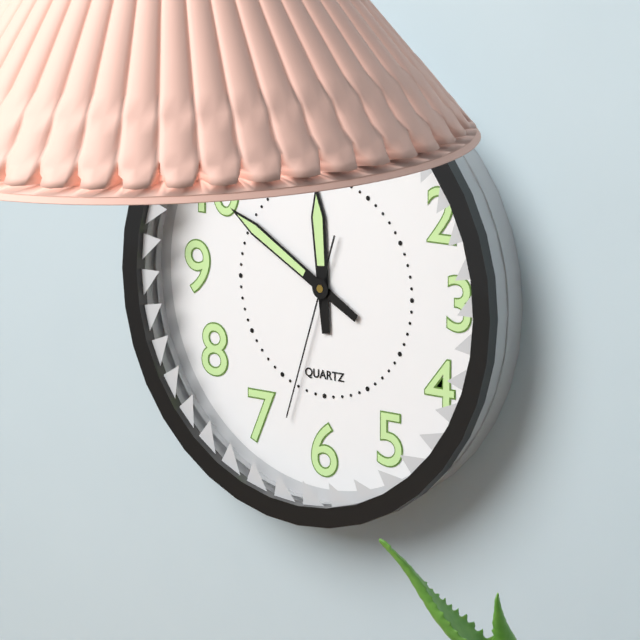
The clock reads {"hour": 11, "minute": 50, "second": 33}
